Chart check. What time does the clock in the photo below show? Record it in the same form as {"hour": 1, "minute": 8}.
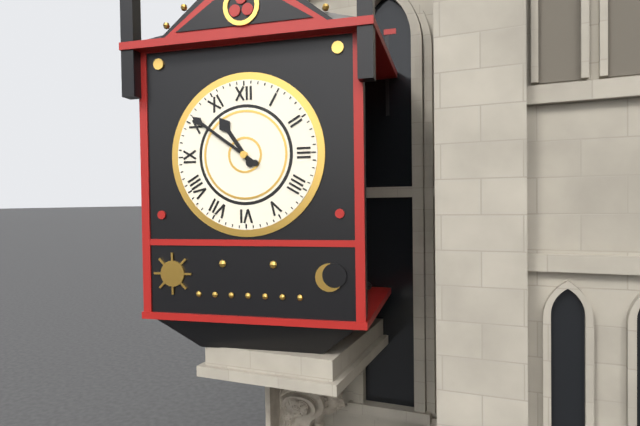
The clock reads {"hour": 10, "minute": 51}
